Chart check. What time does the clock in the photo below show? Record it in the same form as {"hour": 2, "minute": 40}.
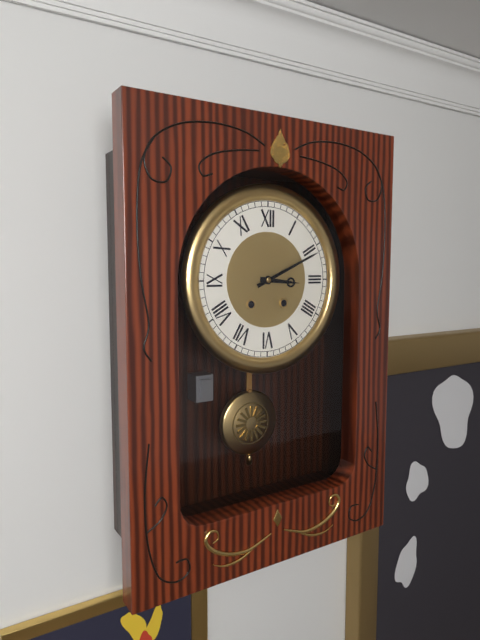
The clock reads {"hour": 3, "minute": 11}
